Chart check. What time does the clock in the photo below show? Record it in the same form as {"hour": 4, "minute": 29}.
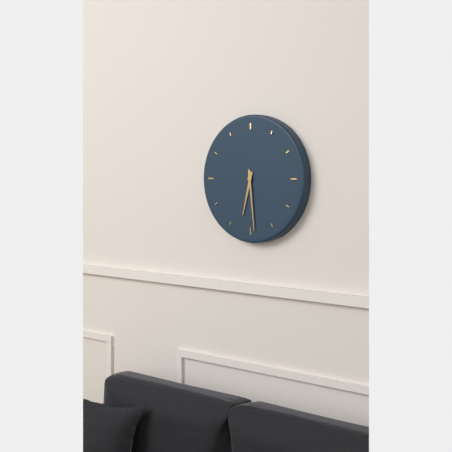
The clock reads {"hour": 6, "minute": 29}
